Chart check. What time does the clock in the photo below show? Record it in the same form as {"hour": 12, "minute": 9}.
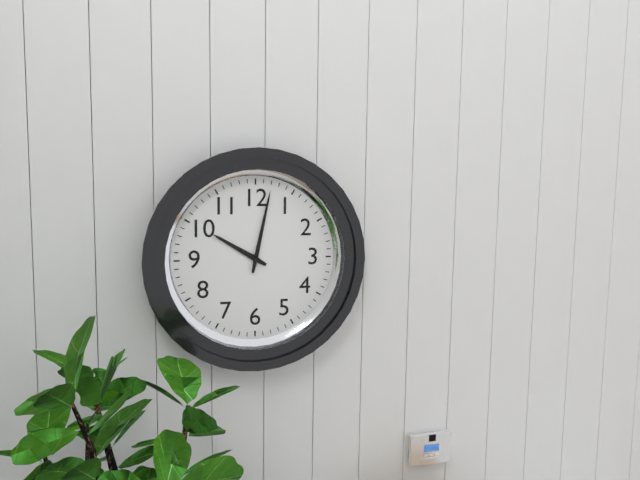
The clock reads {"hour": 10, "minute": 2}
